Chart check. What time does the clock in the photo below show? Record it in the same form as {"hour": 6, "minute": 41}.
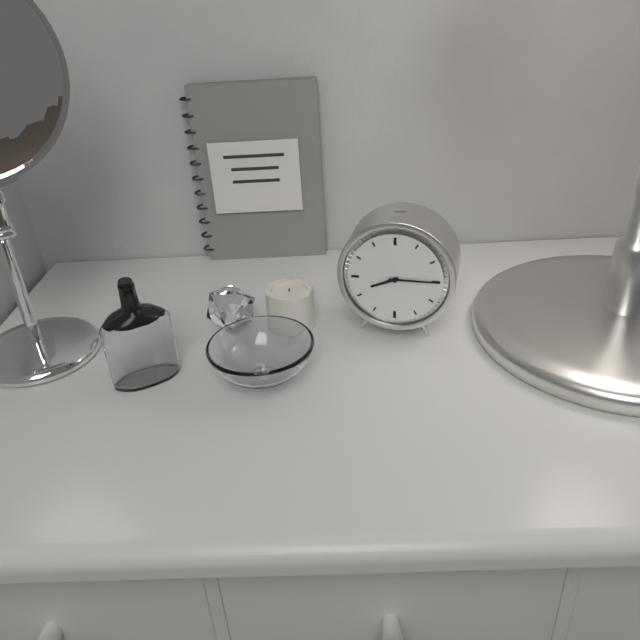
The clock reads {"hour": 8, "minute": 15}
